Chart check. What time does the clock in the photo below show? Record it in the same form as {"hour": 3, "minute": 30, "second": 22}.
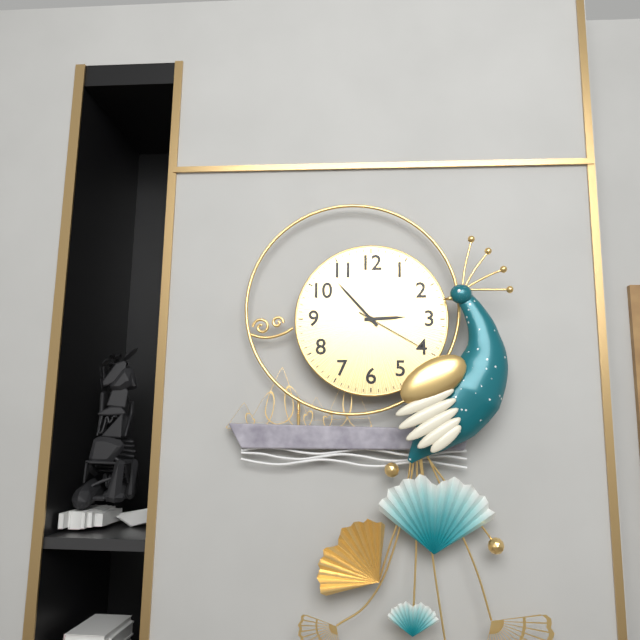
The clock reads {"hour": 2, "minute": 53, "second": 20}
